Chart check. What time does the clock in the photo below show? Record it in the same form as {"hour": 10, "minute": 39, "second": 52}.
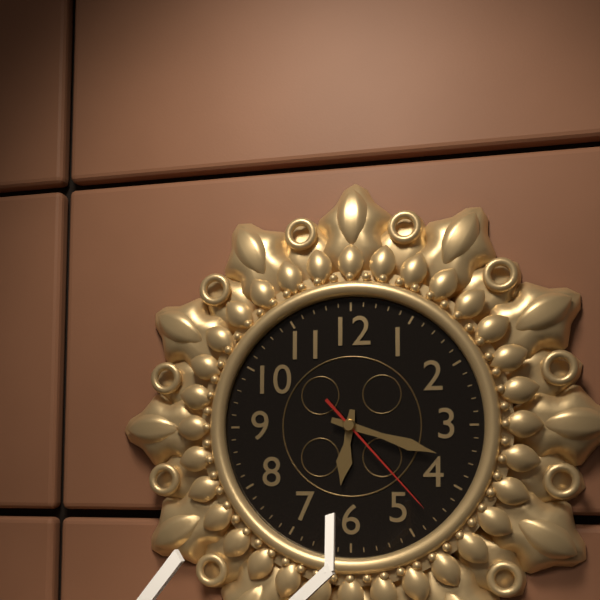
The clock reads {"hour": 6, "minute": 18, "second": 23}
